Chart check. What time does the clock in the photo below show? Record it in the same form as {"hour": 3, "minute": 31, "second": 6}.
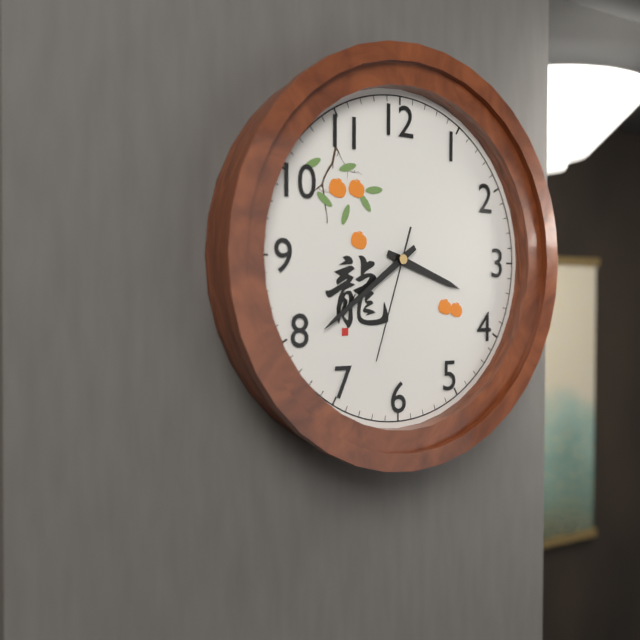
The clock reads {"hour": 3, "minute": 39, "second": 33}
